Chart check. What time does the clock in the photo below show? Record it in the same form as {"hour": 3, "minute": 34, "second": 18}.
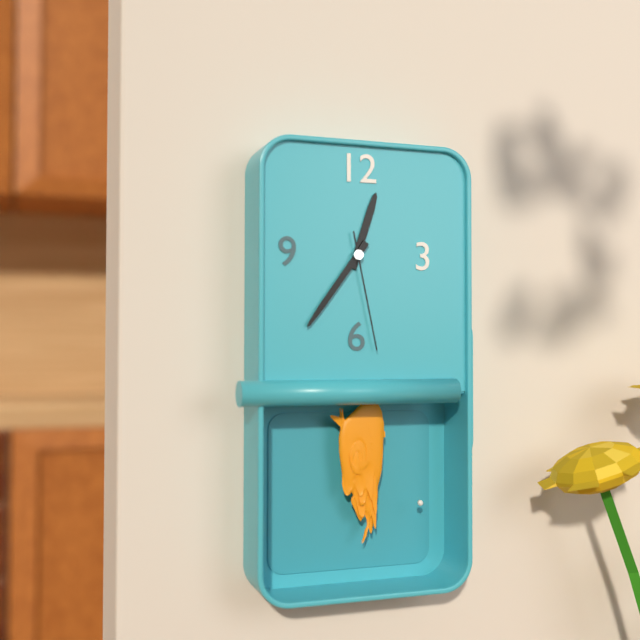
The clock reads {"hour": 12, "minute": 36, "second": 28}
